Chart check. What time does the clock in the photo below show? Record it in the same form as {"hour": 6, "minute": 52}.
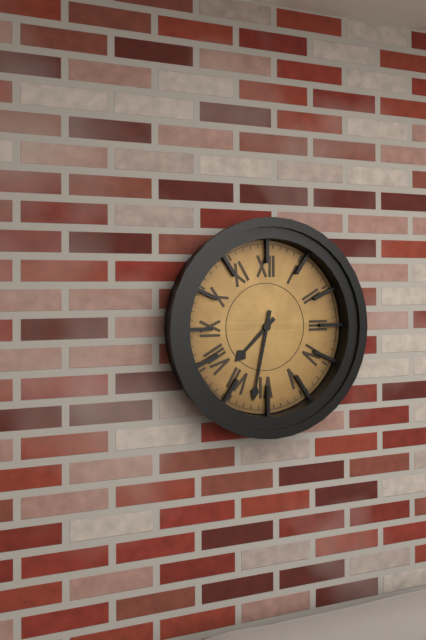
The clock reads {"hour": 7, "minute": 32}
